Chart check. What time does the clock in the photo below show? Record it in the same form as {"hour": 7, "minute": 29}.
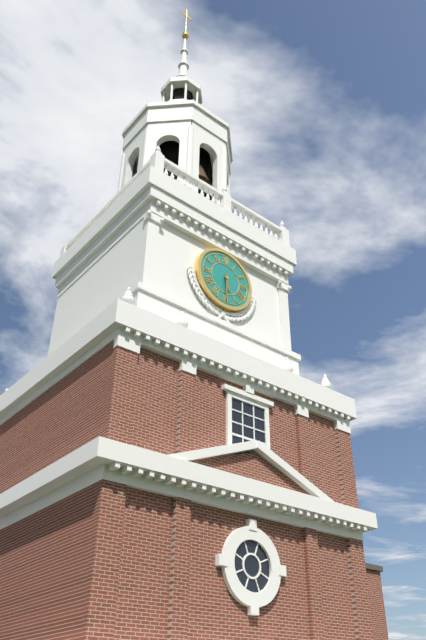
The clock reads {"hour": 5, "minute": 30}
